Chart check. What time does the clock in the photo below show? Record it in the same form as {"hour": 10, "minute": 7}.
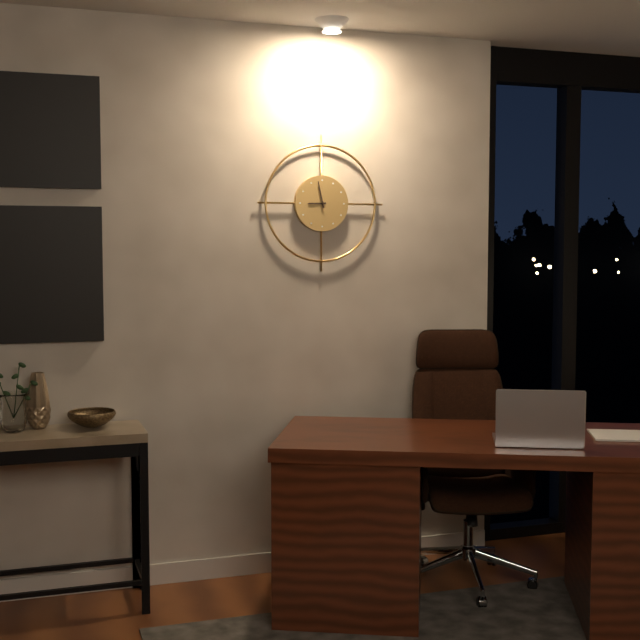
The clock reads {"hour": 8, "minute": 58}
